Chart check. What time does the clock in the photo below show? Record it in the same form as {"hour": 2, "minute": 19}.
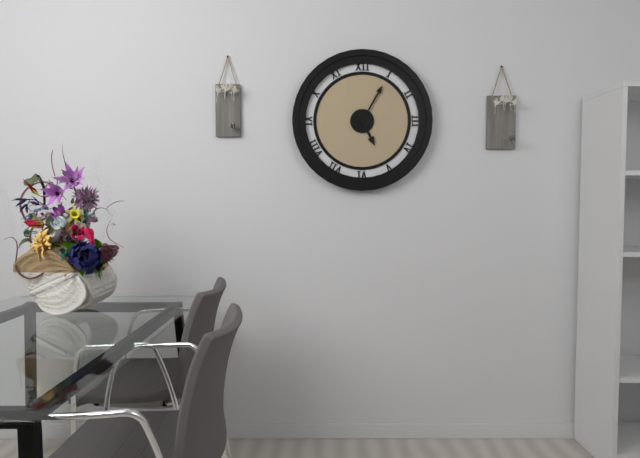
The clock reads {"hour": 5, "minute": 5}
